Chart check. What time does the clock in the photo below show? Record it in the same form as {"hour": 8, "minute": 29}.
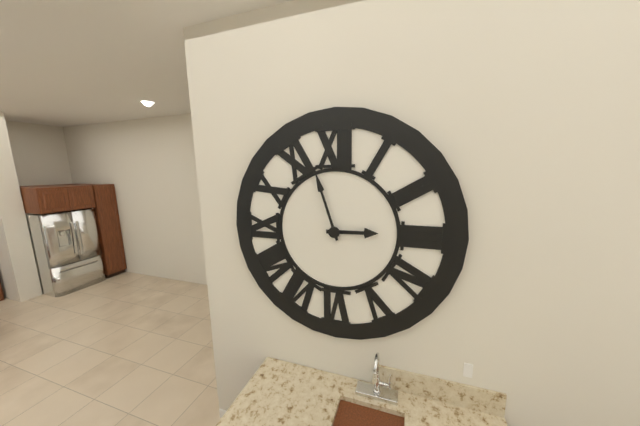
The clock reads {"hour": 2, "minute": 57}
